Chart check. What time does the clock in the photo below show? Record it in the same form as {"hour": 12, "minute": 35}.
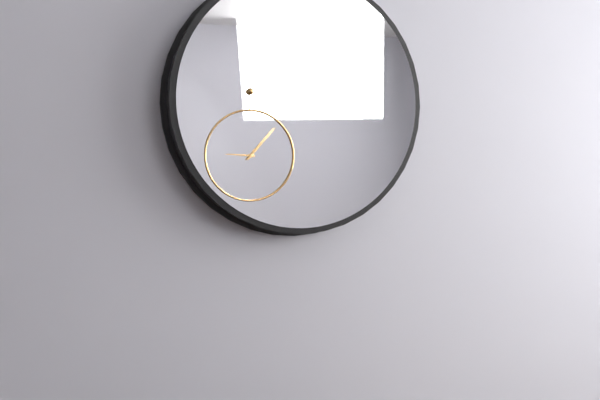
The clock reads {"hour": 9, "minute": 7}
